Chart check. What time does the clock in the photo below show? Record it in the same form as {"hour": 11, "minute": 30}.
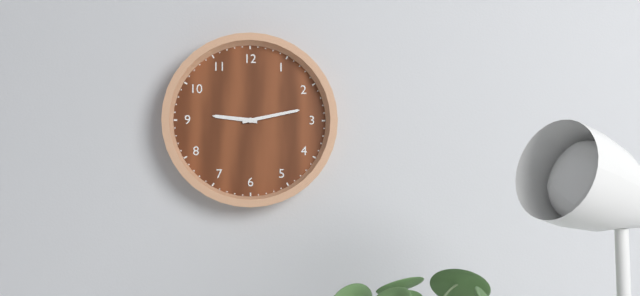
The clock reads {"hour": 9, "minute": 13}
